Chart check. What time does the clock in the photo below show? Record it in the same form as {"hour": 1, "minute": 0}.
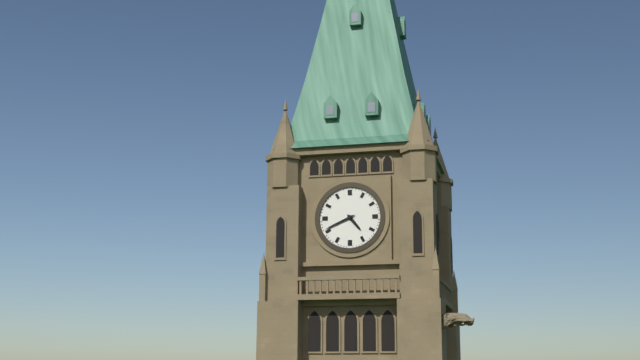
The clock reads {"hour": 4, "minute": 41}
